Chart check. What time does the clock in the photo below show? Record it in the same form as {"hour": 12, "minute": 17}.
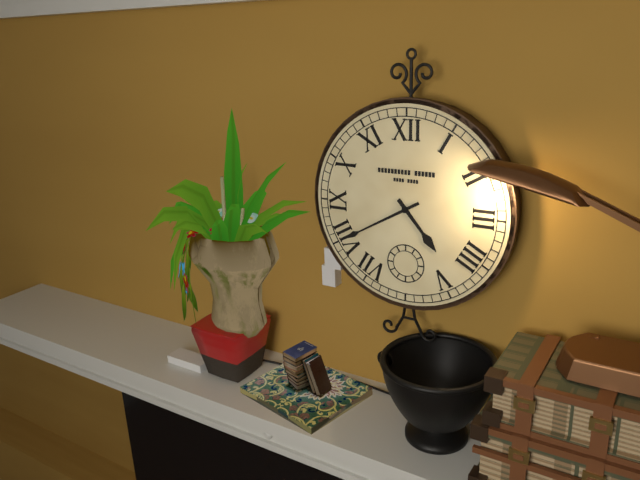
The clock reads {"hour": 4, "minute": 40}
